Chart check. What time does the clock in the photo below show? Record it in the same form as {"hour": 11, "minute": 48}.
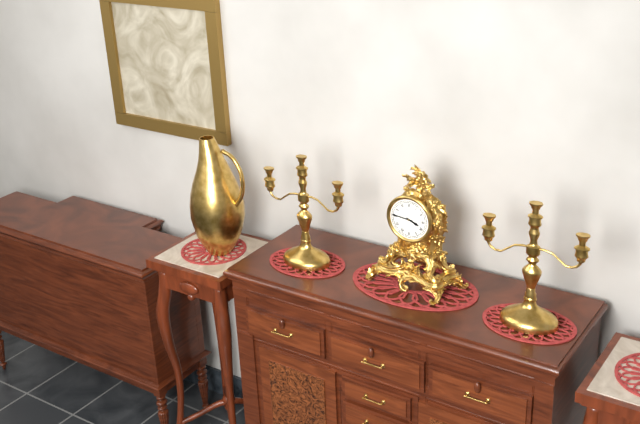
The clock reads {"hour": 3, "minute": 46}
